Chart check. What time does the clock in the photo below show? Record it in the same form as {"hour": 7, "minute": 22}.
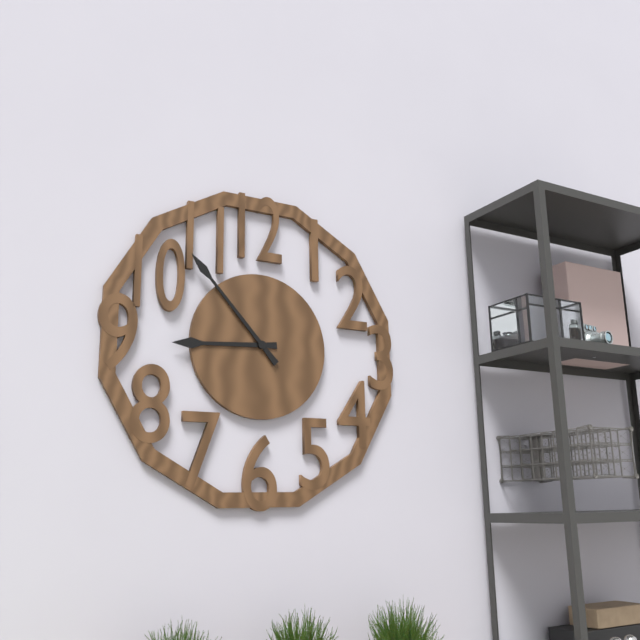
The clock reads {"hour": 8, "minute": 53}
